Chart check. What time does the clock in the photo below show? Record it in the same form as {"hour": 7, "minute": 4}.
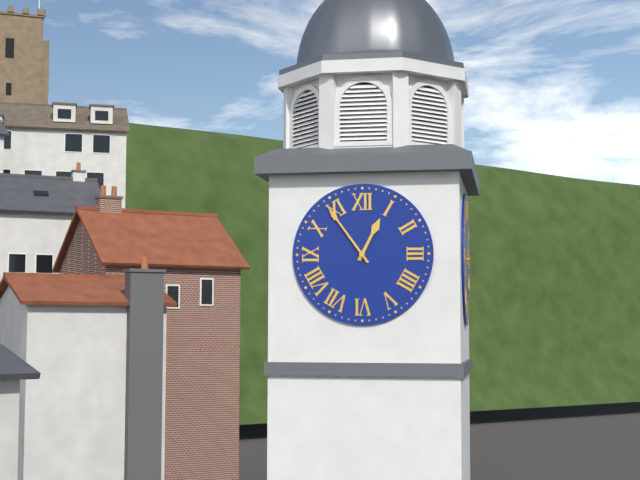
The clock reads {"hour": 12, "minute": 54}
